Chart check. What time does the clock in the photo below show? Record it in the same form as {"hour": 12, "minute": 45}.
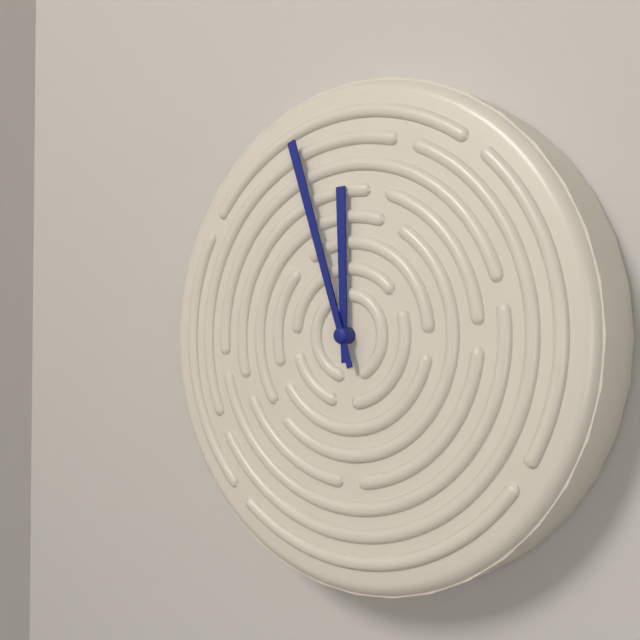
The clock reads {"hour": 11, "minute": 57}
